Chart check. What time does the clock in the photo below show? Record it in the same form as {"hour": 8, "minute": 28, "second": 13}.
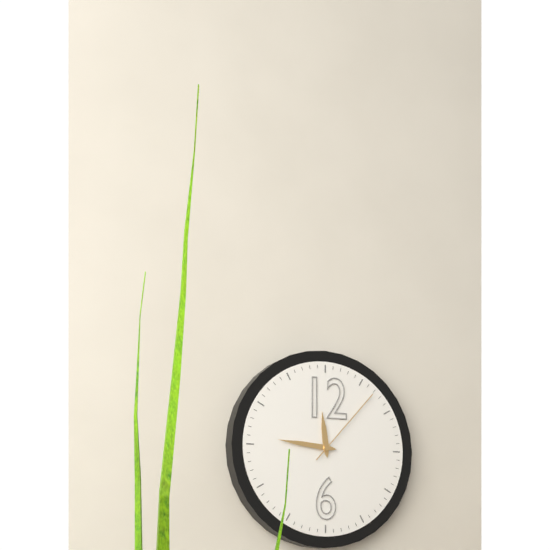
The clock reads {"hour": 11, "minute": 46, "second": 7}
